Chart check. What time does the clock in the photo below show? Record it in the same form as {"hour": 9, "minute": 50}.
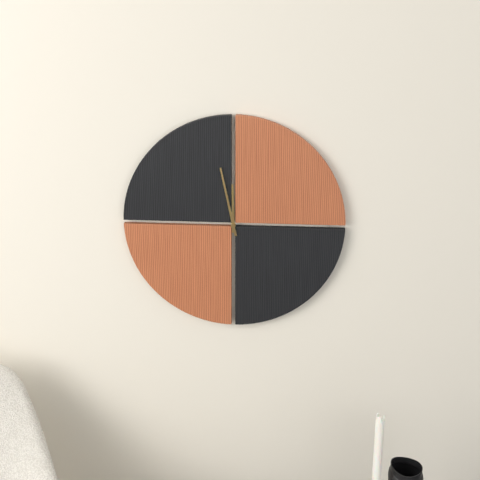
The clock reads {"hour": 11, "minute": 58}
